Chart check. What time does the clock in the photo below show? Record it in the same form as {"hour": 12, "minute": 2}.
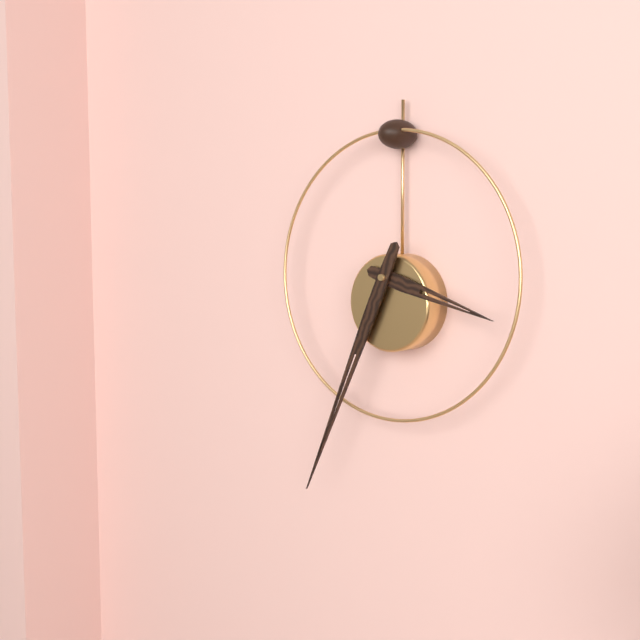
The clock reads {"hour": 3, "minute": 34}
